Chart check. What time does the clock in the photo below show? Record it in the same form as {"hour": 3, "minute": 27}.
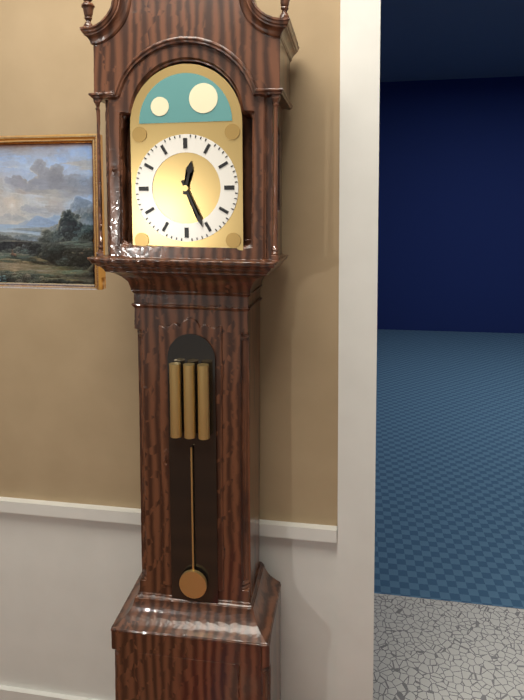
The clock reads {"hour": 12, "minute": 26}
